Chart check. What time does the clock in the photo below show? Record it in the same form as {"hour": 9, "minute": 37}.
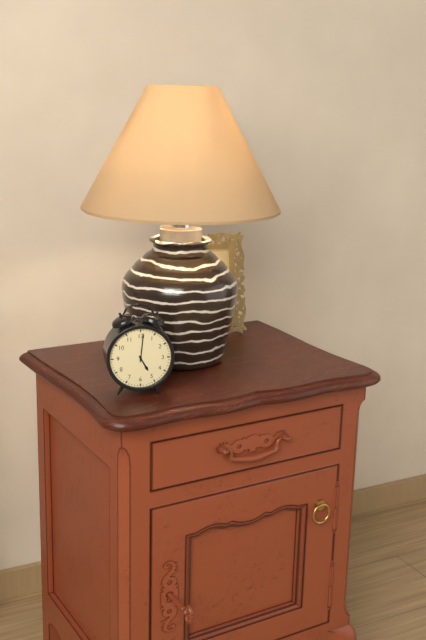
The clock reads {"hour": 5, "minute": 1}
